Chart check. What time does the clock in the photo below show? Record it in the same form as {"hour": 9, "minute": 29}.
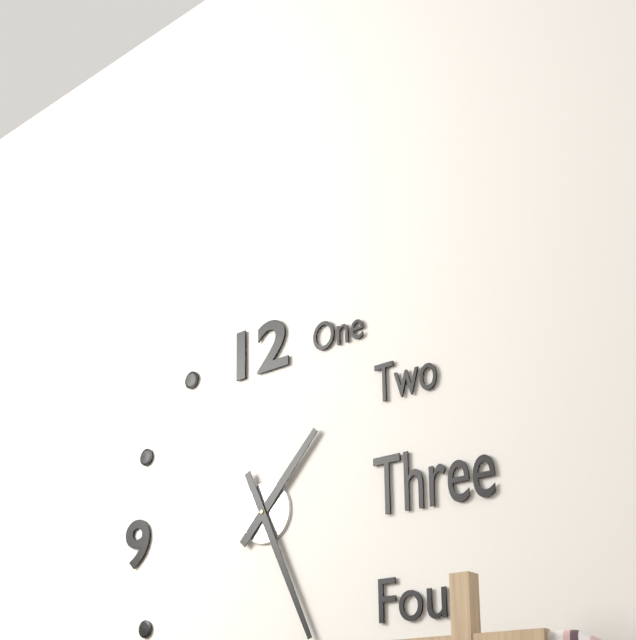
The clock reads {"hour": 1, "minute": 26}
